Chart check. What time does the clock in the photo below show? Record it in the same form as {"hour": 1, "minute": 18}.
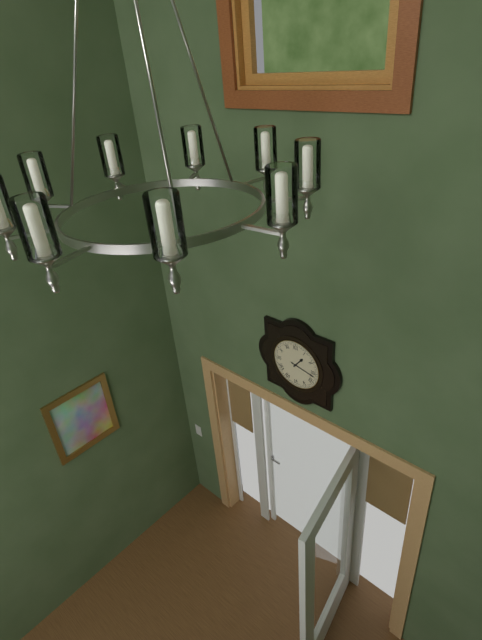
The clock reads {"hour": 1, "minute": 17}
